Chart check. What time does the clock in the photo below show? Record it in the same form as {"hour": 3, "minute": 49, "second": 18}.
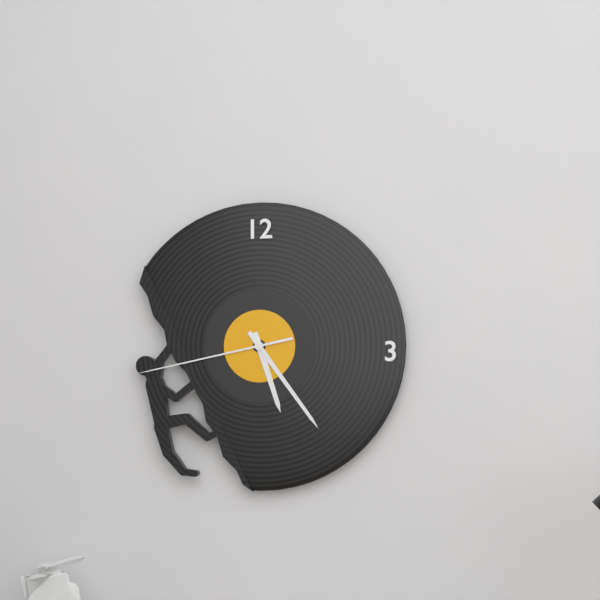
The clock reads {"hour": 5, "minute": 24, "second": 43}
